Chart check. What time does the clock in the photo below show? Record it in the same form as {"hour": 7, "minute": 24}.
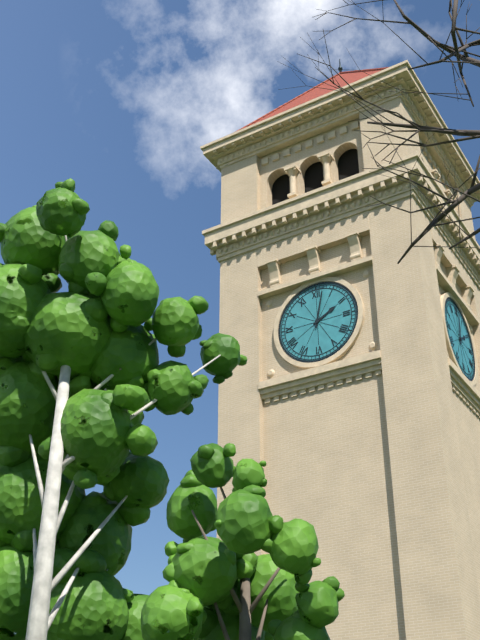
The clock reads {"hour": 2, "minute": 2}
